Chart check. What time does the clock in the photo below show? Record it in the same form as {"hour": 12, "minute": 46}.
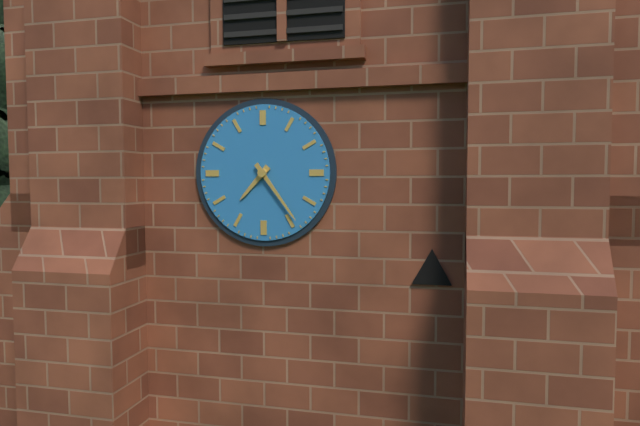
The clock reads {"hour": 7, "minute": 24}
